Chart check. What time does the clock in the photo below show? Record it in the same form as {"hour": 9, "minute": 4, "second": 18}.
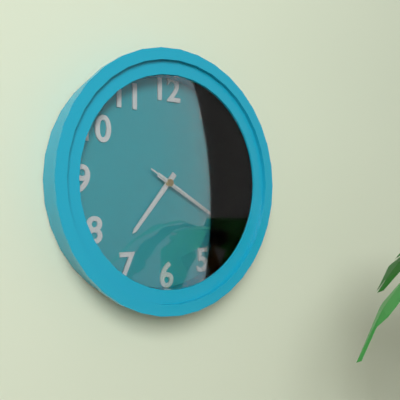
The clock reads {"hour": 7, "minute": 20, "second": 20}
